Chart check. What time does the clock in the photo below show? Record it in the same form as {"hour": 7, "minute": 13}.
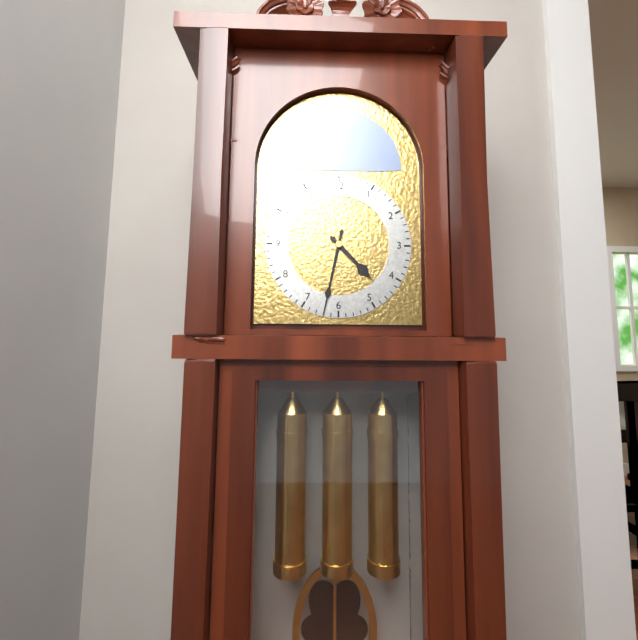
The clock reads {"hour": 4, "minute": 32}
